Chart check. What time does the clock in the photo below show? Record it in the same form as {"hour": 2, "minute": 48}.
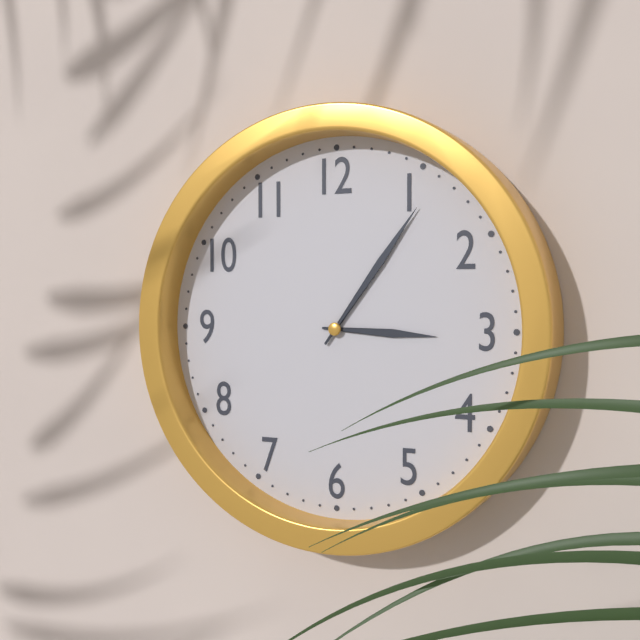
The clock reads {"hour": 3, "minute": 6}
